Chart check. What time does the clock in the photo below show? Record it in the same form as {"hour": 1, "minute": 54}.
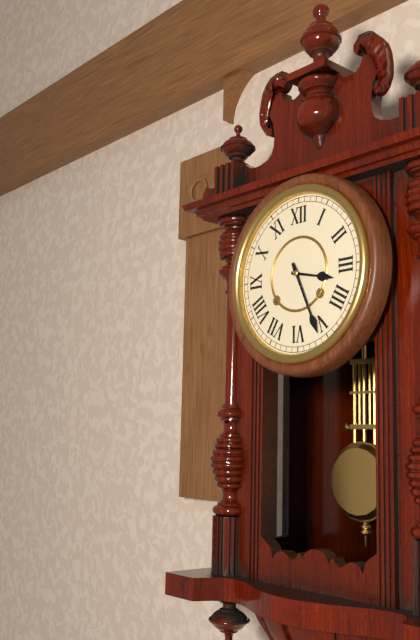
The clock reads {"hour": 3, "minute": 26}
